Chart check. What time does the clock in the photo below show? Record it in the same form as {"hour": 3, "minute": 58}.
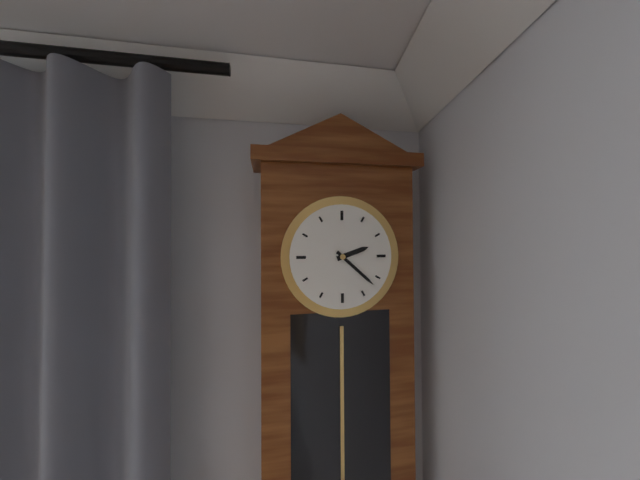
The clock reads {"hour": 2, "minute": 22}
